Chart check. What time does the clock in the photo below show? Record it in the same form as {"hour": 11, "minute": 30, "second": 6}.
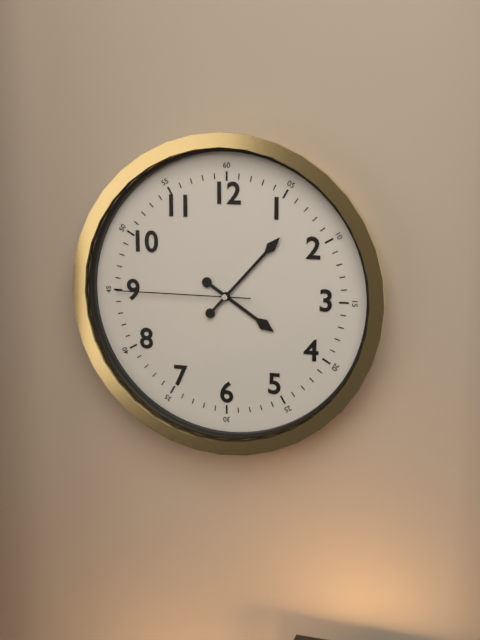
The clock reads {"hour": 4, "minute": 7, "second": 45}
